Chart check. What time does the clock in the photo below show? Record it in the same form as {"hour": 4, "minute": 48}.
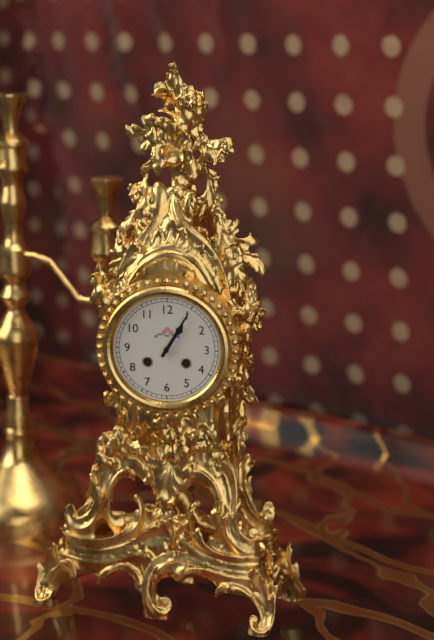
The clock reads {"hour": 1, "minute": 5}
